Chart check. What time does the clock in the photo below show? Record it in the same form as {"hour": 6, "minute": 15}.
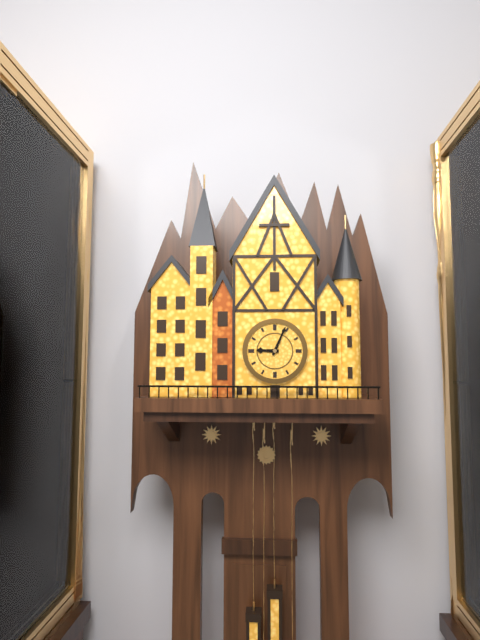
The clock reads {"hour": 9, "minute": 4}
